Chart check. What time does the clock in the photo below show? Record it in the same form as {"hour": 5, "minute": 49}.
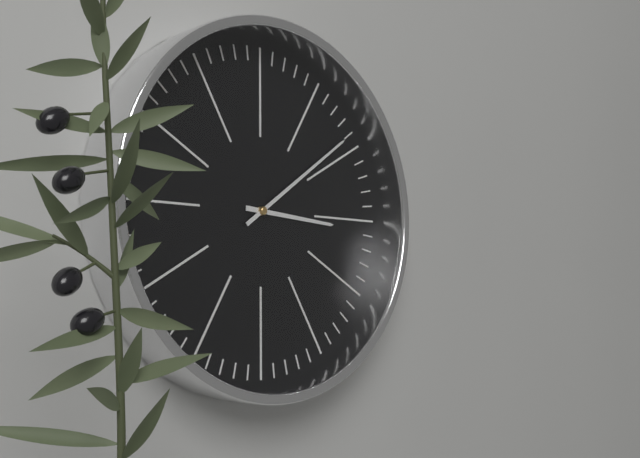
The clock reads {"hour": 3, "minute": 9}
